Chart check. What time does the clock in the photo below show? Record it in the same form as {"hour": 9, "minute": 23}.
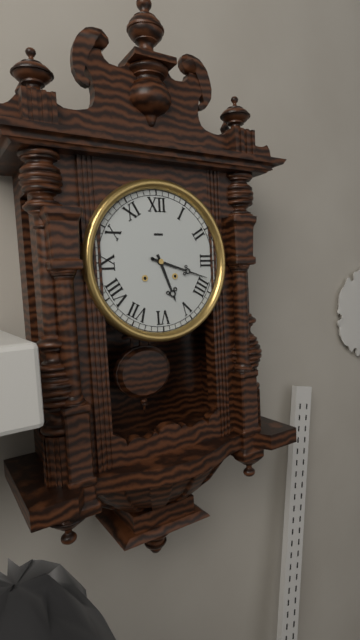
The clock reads {"hour": 5, "minute": 18}
